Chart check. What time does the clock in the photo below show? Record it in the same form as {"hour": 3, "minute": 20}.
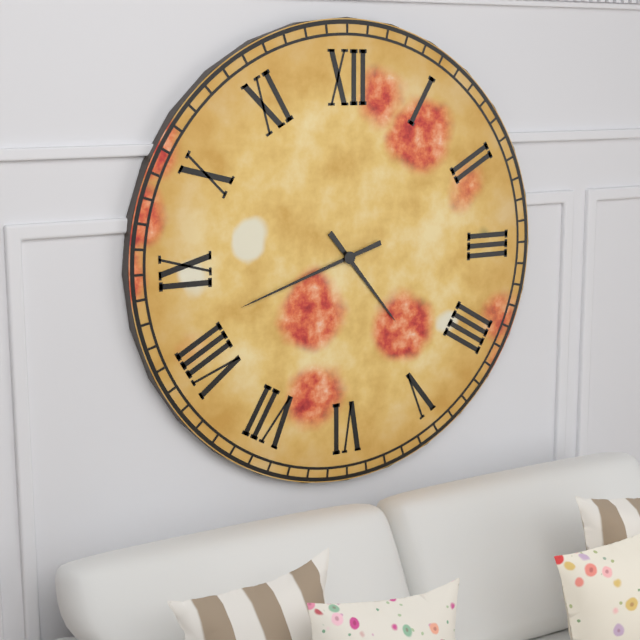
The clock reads {"hour": 4, "minute": 42}
